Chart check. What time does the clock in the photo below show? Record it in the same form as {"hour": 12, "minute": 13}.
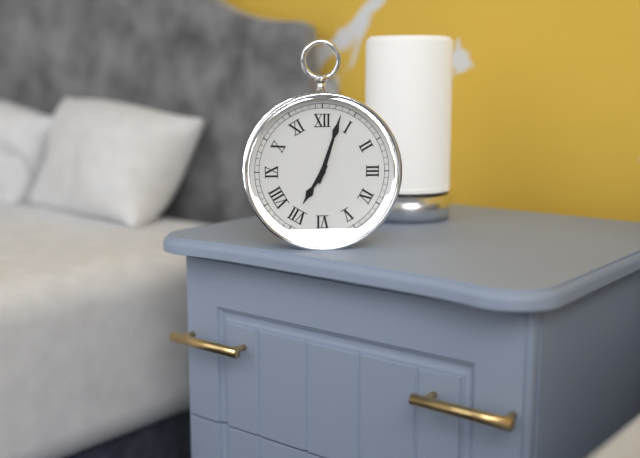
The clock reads {"hour": 7, "minute": 3}
